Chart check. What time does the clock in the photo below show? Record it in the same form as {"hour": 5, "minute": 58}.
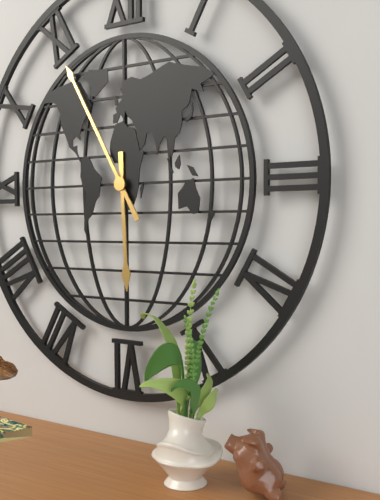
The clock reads {"hour": 5, "minute": 55}
